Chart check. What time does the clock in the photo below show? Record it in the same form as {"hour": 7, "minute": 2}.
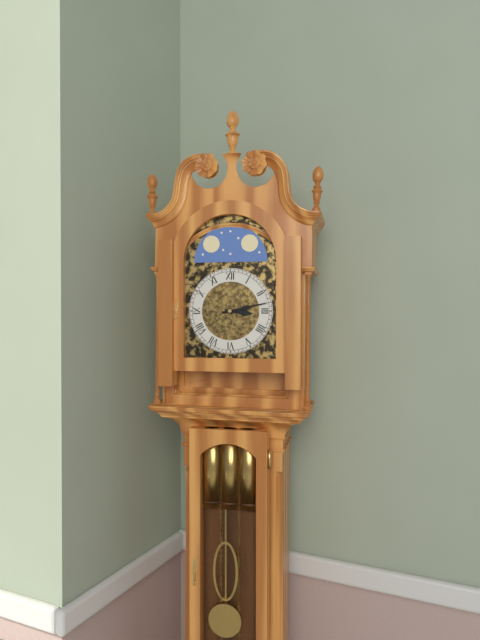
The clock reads {"hour": 3, "minute": 13}
